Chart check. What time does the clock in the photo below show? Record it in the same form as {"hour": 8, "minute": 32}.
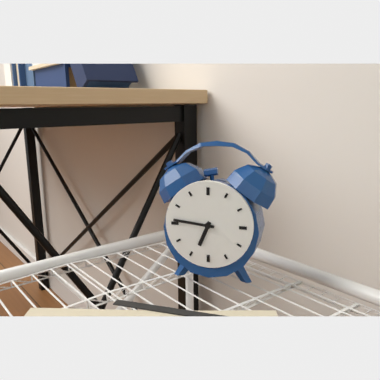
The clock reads {"hour": 6, "minute": 46}
